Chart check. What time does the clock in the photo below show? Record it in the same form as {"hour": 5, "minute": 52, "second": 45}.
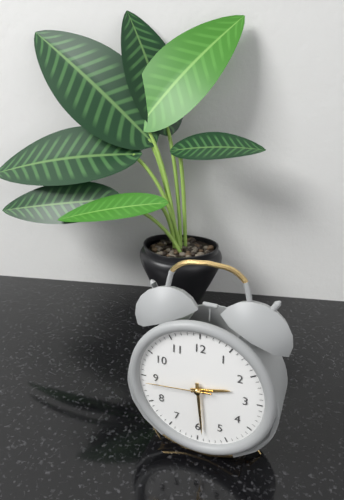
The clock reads {"hour": 2, "minute": 29, "second": 44}
